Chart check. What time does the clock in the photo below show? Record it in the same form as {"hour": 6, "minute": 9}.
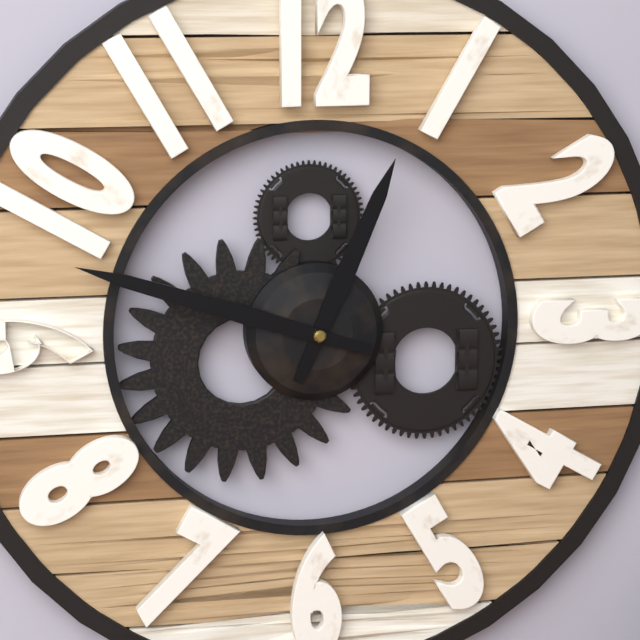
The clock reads {"hour": 12, "minute": 48}
